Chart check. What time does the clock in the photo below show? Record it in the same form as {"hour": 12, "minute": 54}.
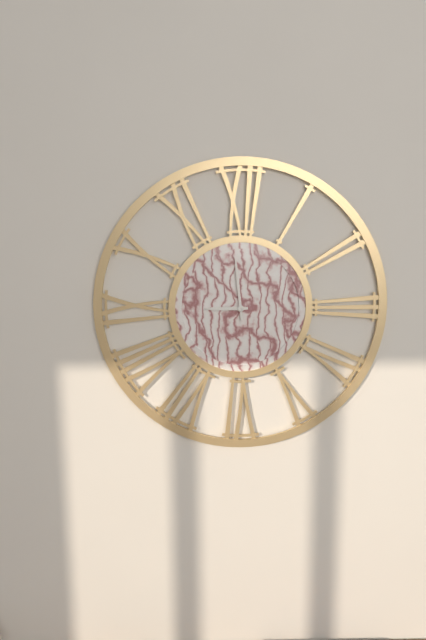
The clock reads {"hour": 8, "minute": 59}
